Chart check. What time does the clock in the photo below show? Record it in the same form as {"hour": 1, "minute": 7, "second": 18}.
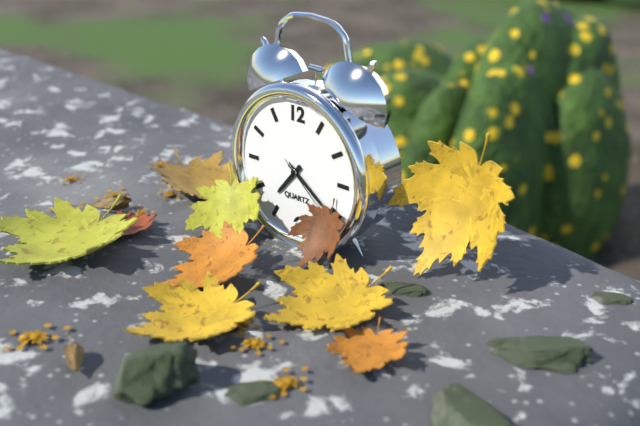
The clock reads {"hour": 7, "minute": 21, "second": 22}
